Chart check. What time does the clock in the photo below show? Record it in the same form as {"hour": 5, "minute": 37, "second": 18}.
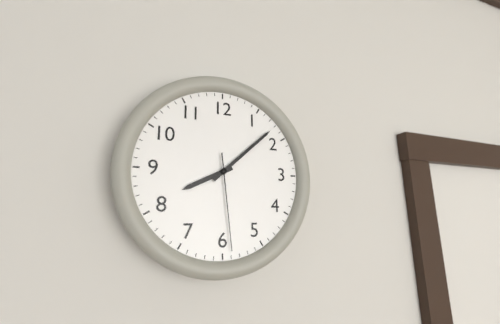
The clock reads {"hour": 8, "minute": 8, "second": 29}
